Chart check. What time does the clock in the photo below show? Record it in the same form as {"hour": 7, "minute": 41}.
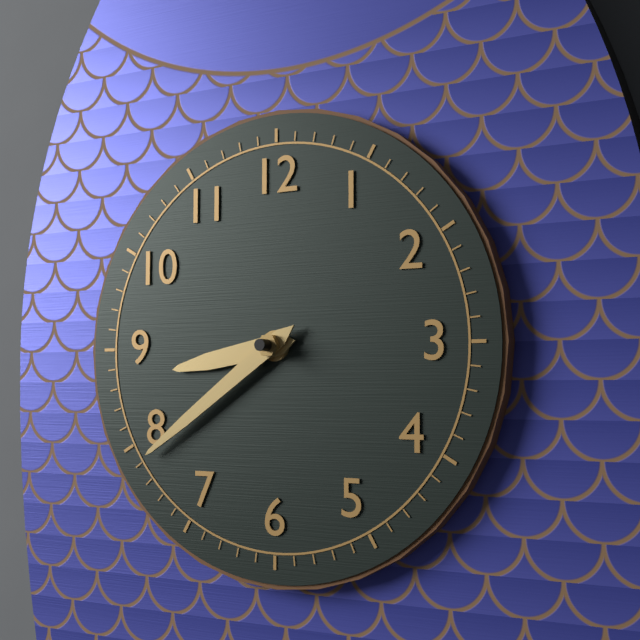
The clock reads {"hour": 8, "minute": 39}
